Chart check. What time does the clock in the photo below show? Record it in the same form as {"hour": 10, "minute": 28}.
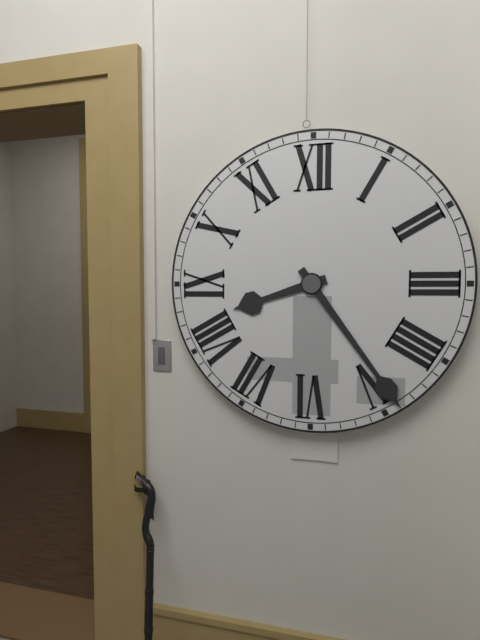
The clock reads {"hour": 8, "minute": 24}
